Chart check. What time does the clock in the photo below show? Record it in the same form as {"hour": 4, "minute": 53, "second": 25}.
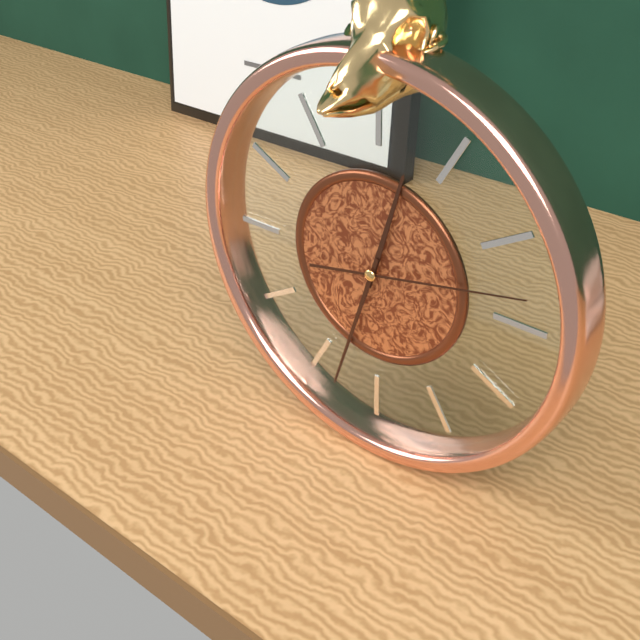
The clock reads {"hour": 12, "minute": 33, "second": 13}
